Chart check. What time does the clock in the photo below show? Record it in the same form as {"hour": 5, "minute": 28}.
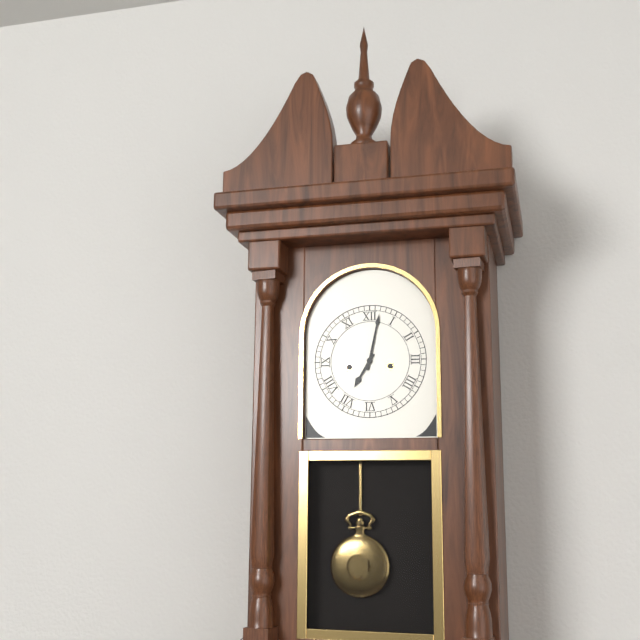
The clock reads {"hour": 7, "minute": 2}
